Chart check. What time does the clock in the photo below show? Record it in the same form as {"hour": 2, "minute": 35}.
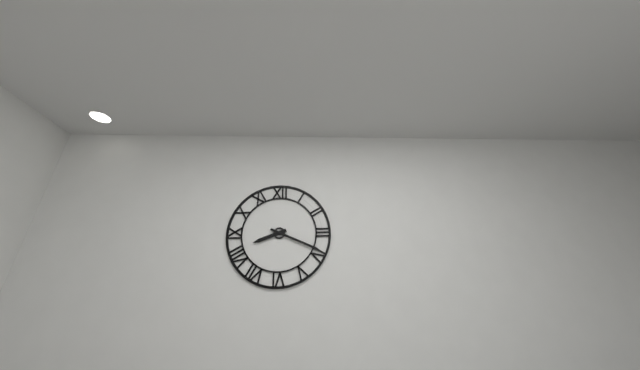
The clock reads {"hour": 8, "minute": 19}
